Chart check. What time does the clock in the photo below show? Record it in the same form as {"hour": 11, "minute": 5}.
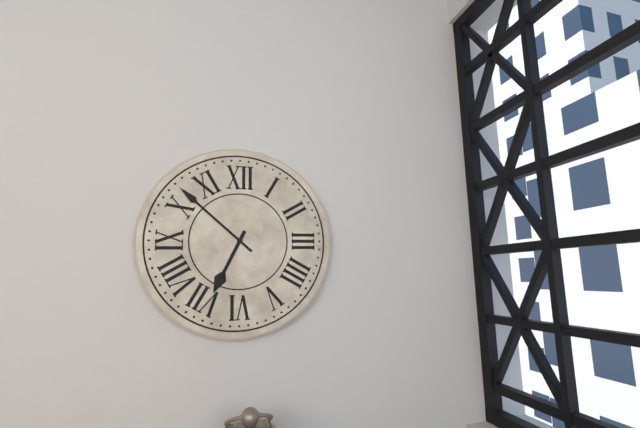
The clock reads {"hour": 6, "minute": 52}
